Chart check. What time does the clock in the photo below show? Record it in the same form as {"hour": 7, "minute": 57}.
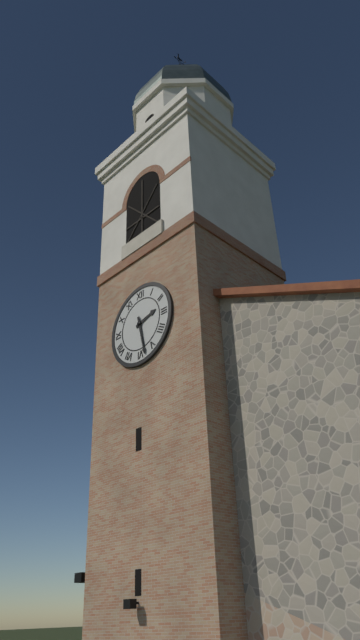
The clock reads {"hour": 2, "minute": 28}
